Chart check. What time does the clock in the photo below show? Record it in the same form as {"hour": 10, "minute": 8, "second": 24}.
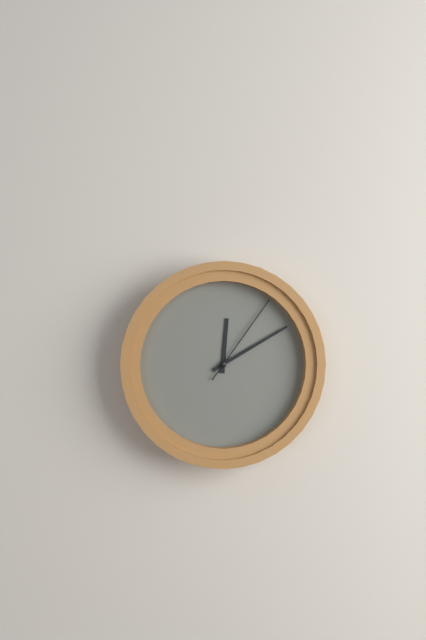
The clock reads {"hour": 12, "minute": 10, "second": 6}
